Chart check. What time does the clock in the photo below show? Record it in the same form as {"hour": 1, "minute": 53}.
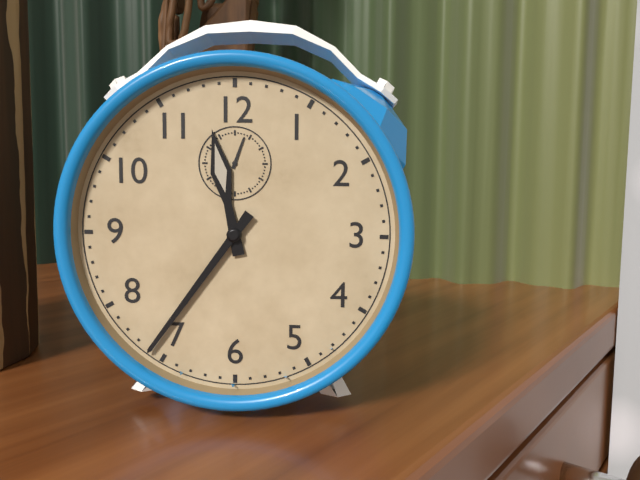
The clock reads {"hour": 11, "minute": 36}
